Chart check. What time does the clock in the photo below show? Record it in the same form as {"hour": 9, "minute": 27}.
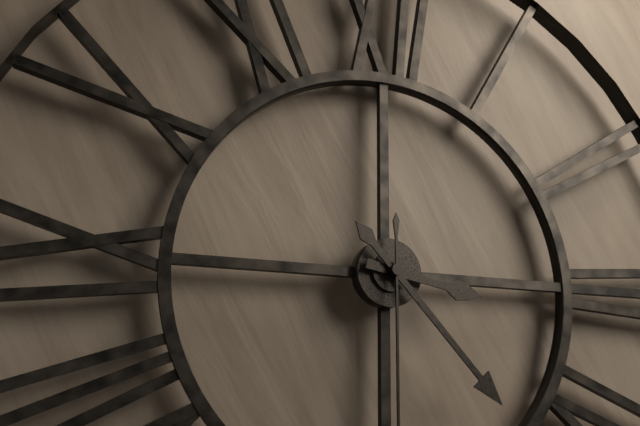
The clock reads {"hour": 3, "minute": 23}
